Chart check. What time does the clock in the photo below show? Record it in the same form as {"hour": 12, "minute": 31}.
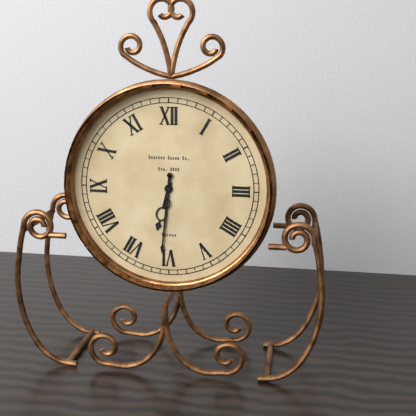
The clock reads {"hour": 6, "minute": 31}
